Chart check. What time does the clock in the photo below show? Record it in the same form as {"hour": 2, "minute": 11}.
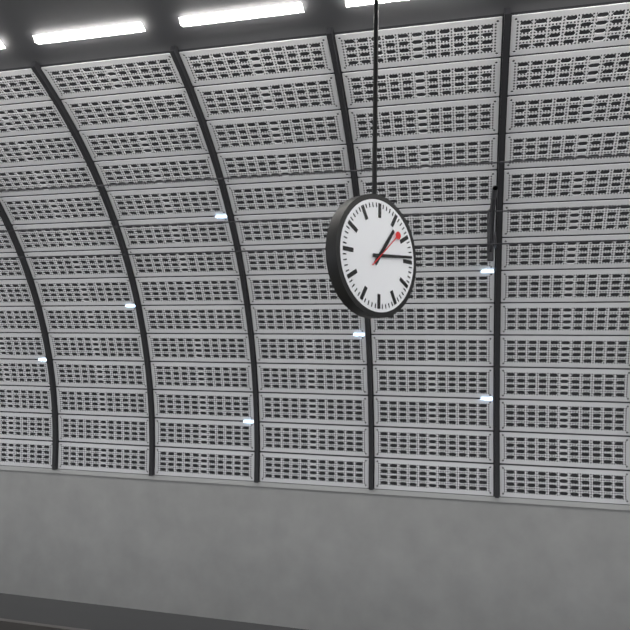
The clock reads {"hour": 1, "minute": 14}
